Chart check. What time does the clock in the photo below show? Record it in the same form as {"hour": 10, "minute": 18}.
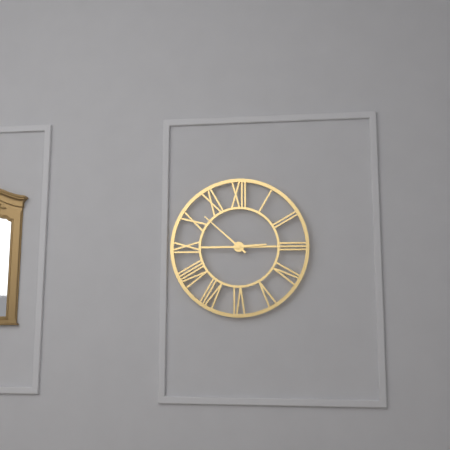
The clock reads {"hour": 2, "minute": 52}
